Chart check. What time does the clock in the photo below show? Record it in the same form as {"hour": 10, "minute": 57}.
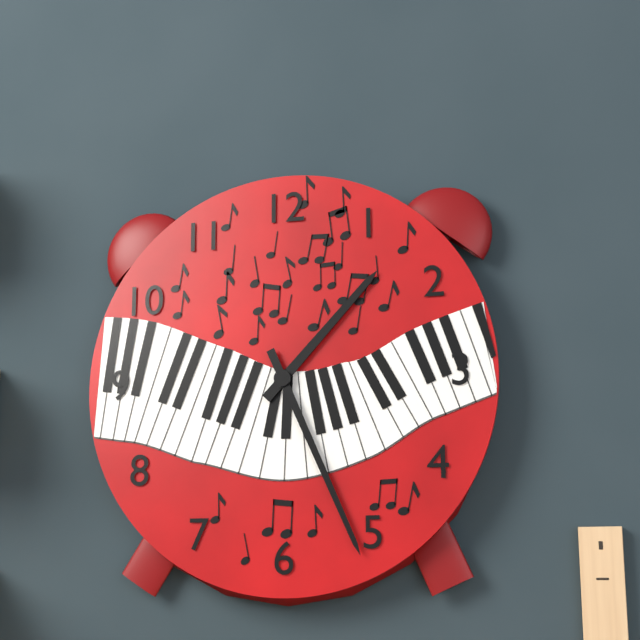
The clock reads {"hour": 1, "minute": 26}
